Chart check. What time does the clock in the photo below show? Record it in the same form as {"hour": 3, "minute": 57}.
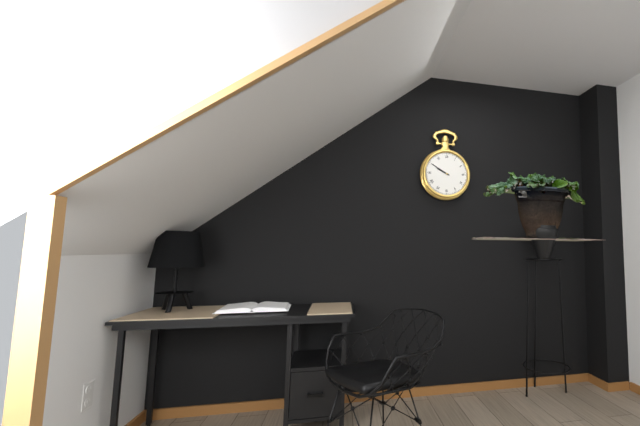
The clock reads {"hour": 9, "minute": 50}
